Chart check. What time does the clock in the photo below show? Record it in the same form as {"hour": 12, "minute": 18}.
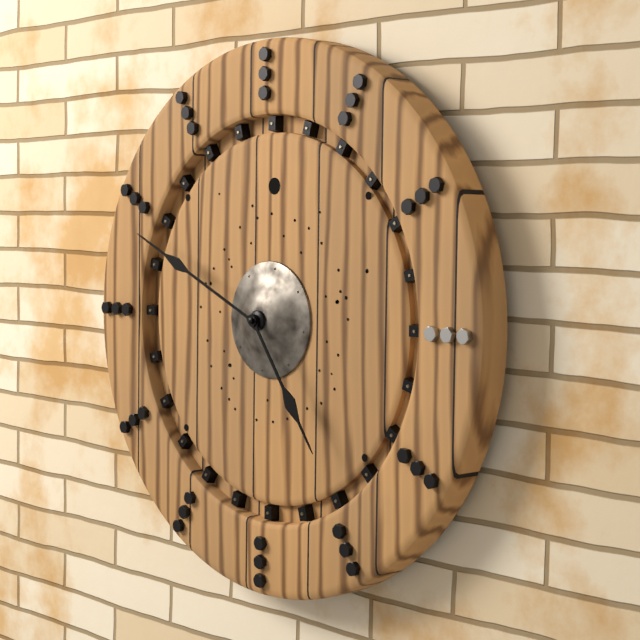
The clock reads {"hour": 4, "minute": 49}
